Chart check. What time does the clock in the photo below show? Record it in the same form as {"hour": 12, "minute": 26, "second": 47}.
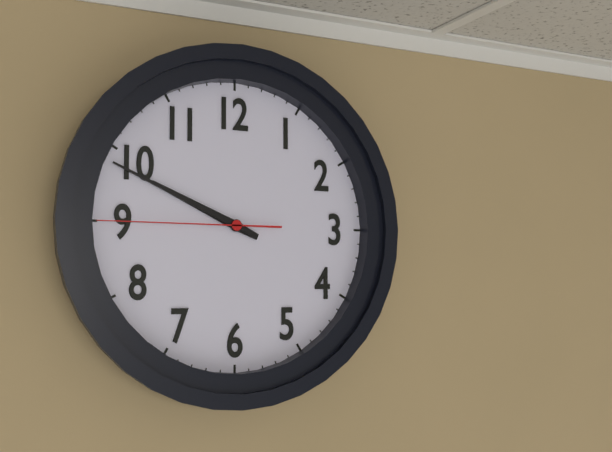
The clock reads {"hour": 9, "minute": 49, "second": 45}
